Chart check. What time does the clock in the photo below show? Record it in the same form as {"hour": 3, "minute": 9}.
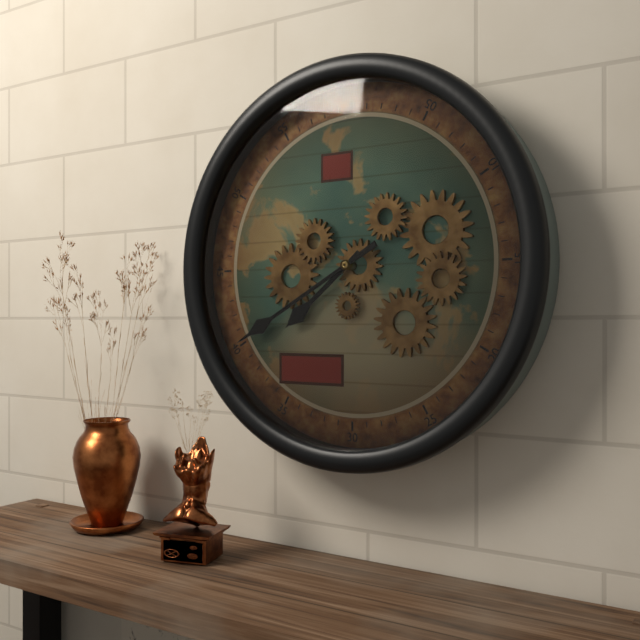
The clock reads {"hour": 7, "minute": 40}
